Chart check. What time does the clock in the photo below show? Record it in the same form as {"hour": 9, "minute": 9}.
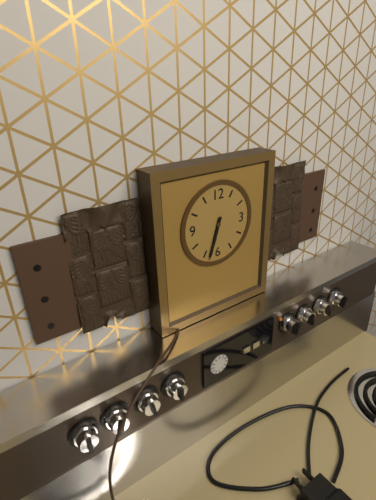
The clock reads {"hour": 6, "minute": 33}
